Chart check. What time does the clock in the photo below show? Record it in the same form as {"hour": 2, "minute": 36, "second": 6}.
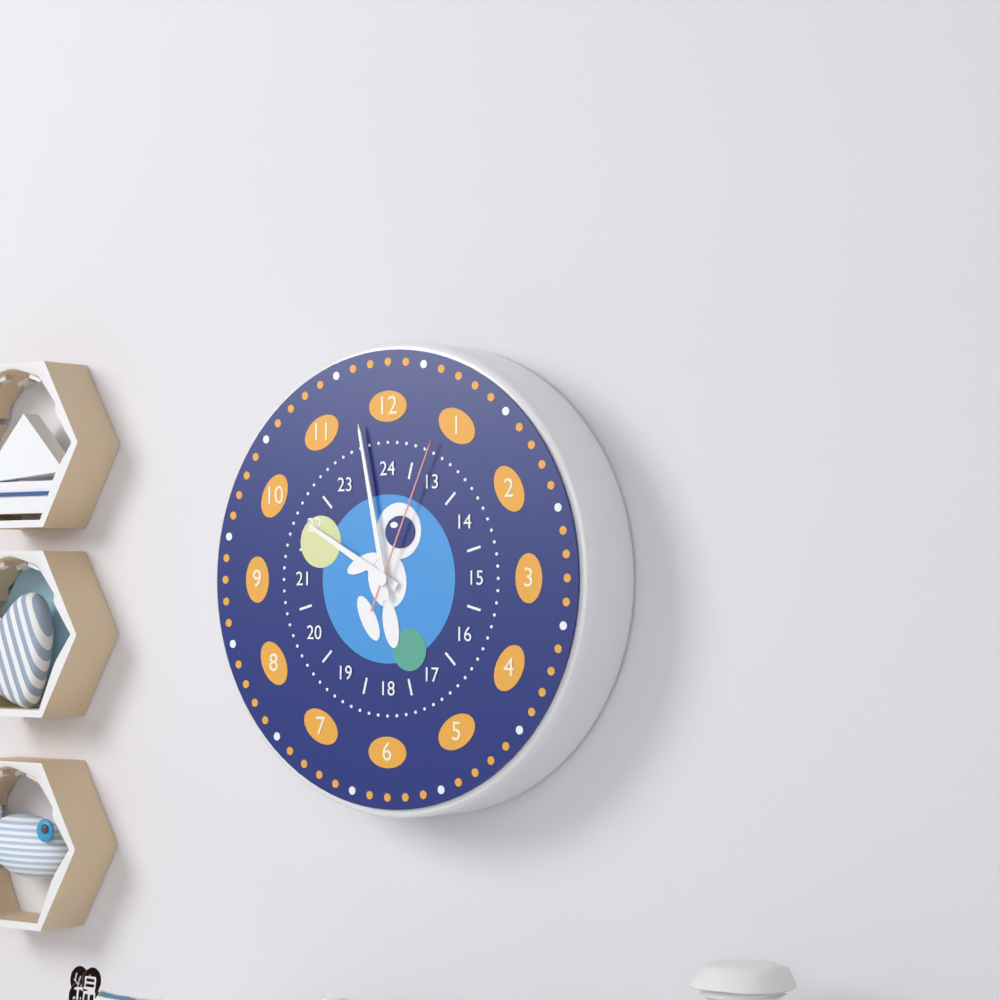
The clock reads {"hour": 9, "minute": 58, "second": 4}
